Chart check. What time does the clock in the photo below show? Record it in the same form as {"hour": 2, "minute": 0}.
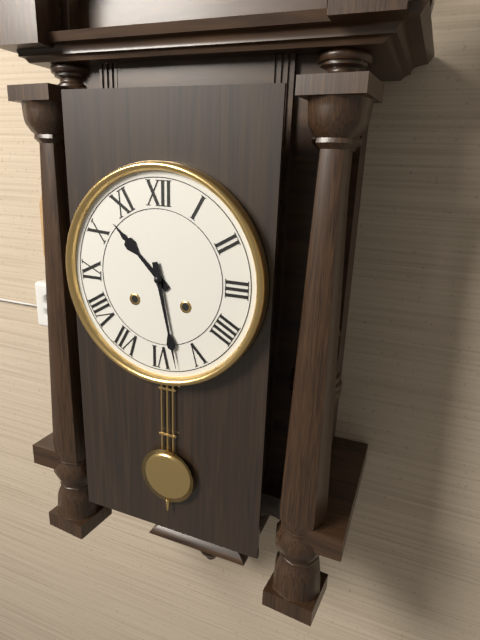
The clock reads {"hour": 10, "minute": 28}
